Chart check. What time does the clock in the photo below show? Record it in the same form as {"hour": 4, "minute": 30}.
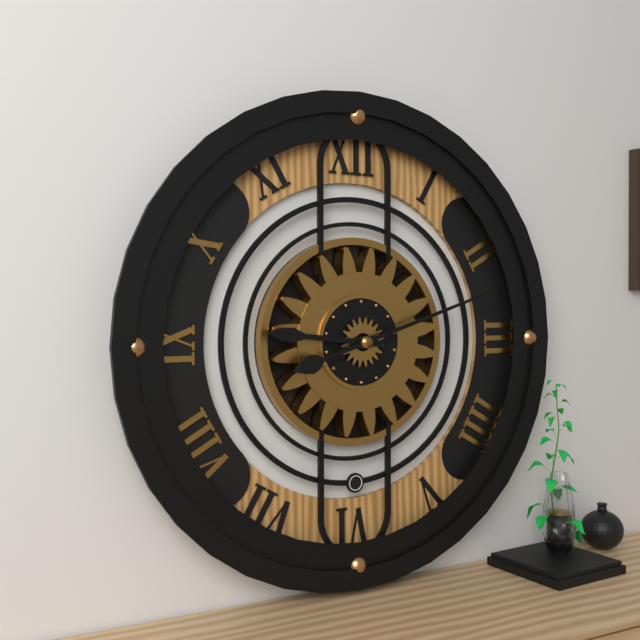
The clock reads {"hour": 9, "minute": 12}
